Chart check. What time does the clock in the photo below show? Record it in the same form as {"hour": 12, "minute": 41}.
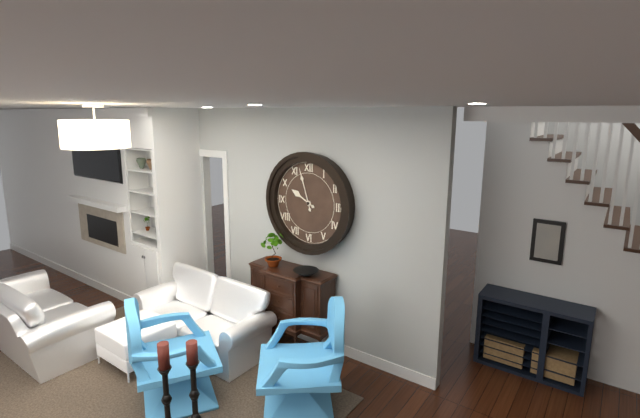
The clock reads {"hour": 9, "minute": 57}
